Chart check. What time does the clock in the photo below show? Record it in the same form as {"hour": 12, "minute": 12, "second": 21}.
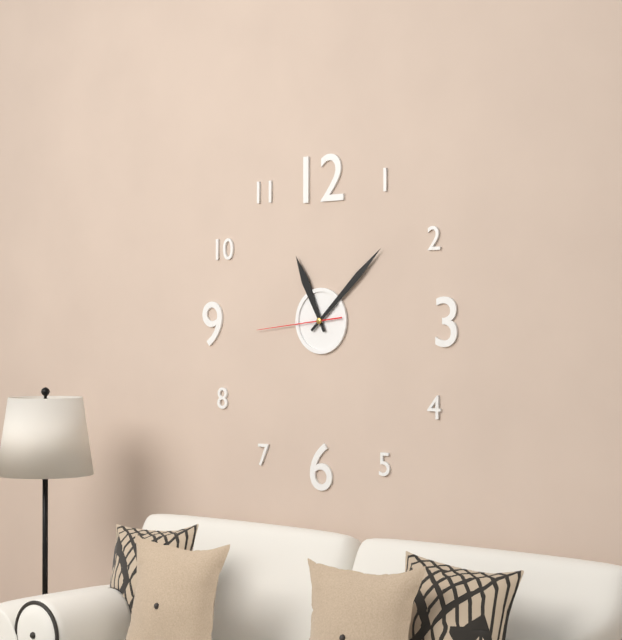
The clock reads {"hour": 11, "minute": 8, "second": 44}
